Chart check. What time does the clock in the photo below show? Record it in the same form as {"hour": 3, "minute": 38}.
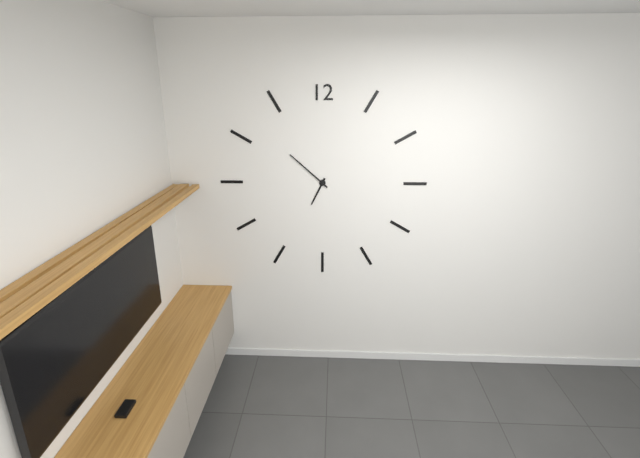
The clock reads {"hour": 6, "minute": 52}
